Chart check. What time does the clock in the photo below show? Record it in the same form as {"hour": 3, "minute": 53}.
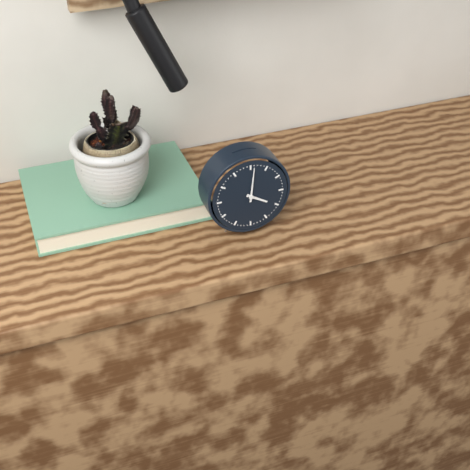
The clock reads {"hour": 4, "minute": 1}
